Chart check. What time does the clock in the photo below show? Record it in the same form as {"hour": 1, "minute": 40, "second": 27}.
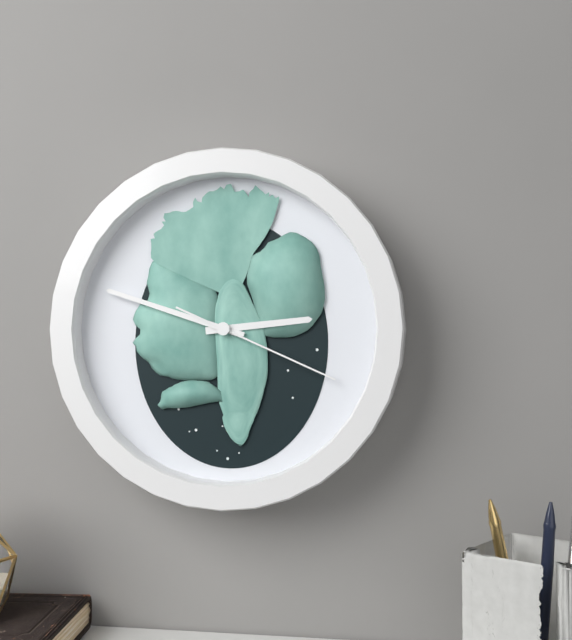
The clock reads {"hour": 2, "minute": 48, "second": 19}
